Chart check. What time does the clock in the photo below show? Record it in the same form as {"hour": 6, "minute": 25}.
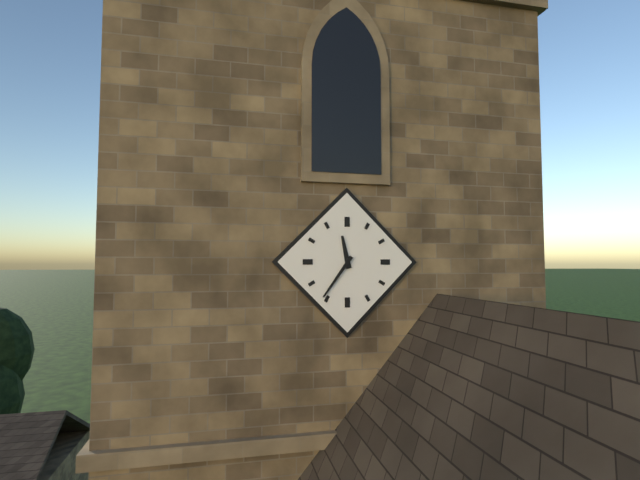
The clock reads {"hour": 11, "minute": 36}
